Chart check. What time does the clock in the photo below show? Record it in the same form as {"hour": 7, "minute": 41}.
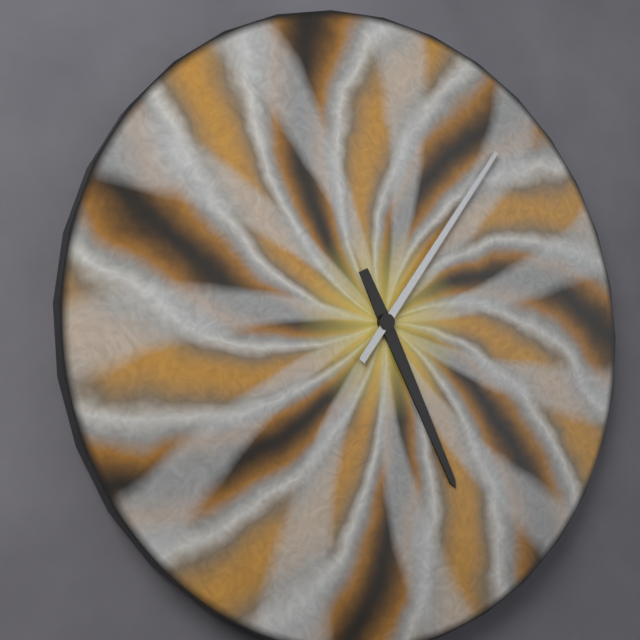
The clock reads {"hour": 5, "minute": 6}
